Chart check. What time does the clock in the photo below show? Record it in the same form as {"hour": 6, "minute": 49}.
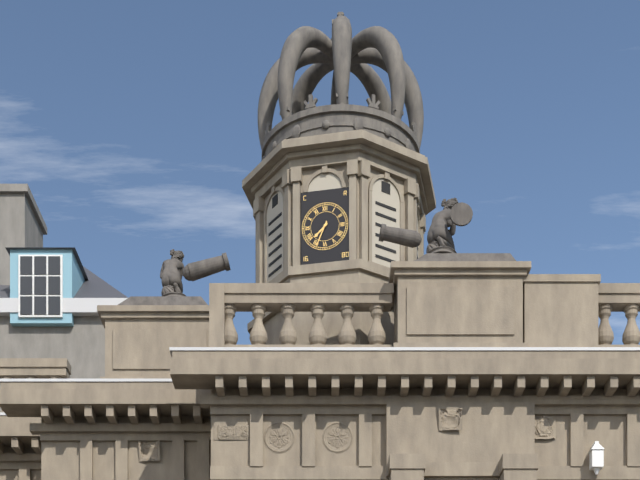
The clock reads {"hour": 7, "minute": 34}
